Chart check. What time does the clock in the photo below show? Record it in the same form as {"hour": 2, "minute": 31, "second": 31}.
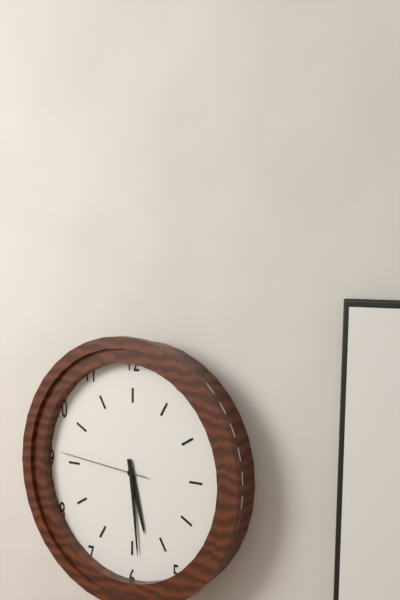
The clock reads {"hour": 5, "minute": 29, "second": 46}
